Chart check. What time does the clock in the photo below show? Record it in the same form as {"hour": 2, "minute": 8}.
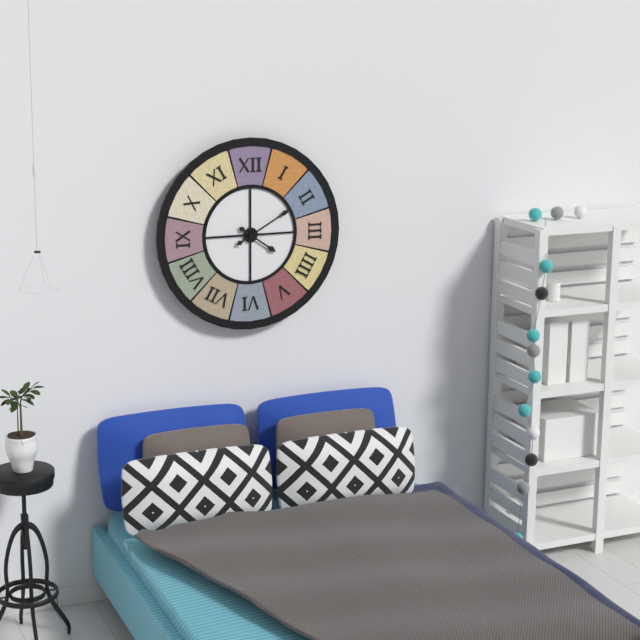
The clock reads {"hour": 4, "minute": 10}
